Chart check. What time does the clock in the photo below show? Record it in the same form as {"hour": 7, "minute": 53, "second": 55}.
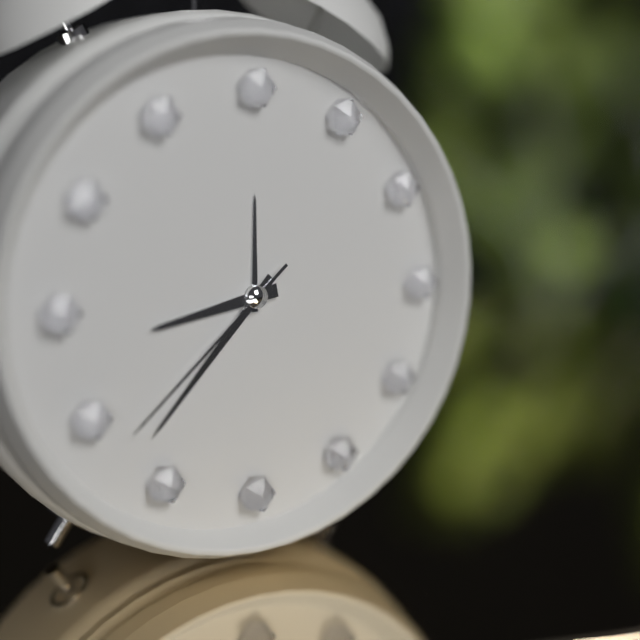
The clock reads {"hour": 8, "minute": 37, "second": 38}
